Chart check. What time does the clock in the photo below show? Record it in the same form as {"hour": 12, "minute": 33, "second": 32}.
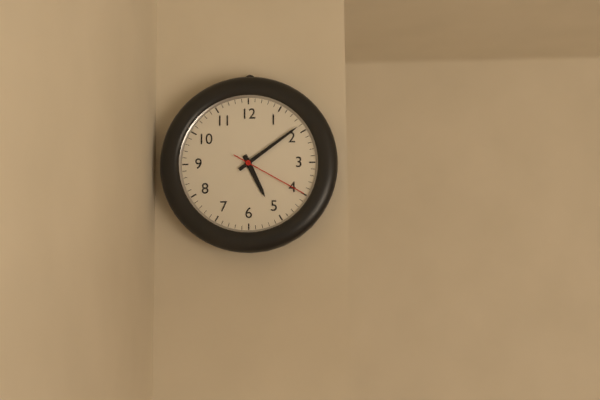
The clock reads {"hour": 5, "minute": 9, "second": 20}
